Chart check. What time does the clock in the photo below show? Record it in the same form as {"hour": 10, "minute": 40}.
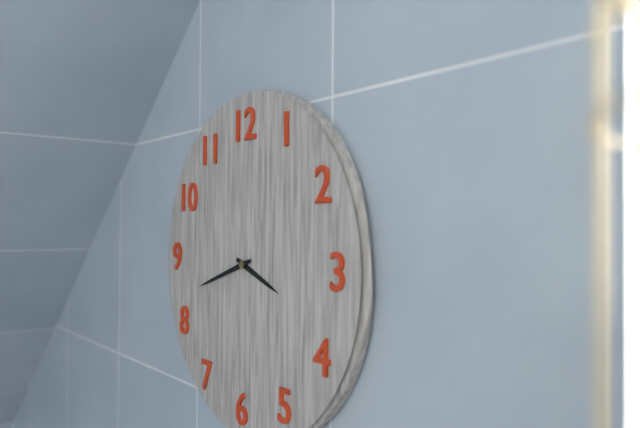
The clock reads {"hour": 3, "minute": 42}
